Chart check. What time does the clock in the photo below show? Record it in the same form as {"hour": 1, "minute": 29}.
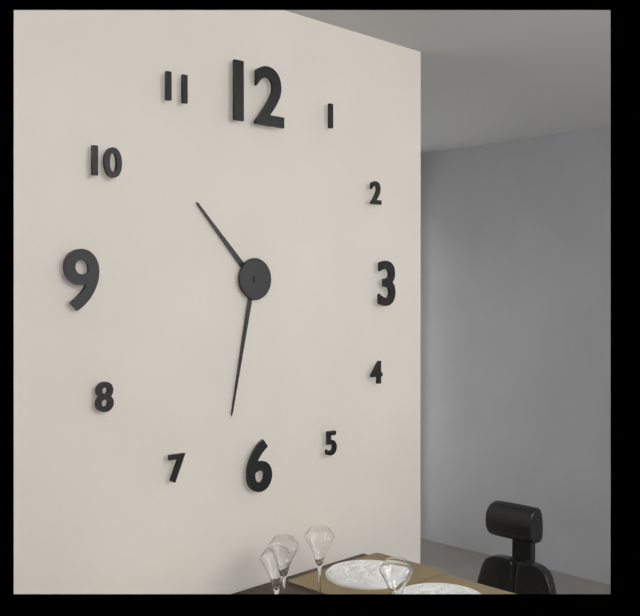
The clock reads {"hour": 10, "minute": 32}
